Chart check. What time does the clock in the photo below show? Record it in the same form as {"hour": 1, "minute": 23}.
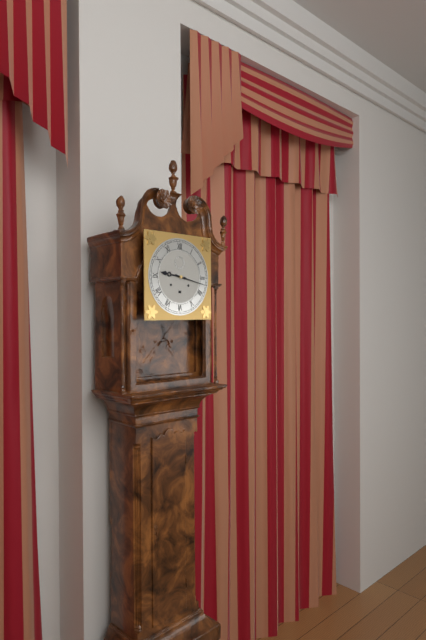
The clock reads {"hour": 9, "minute": 17}
